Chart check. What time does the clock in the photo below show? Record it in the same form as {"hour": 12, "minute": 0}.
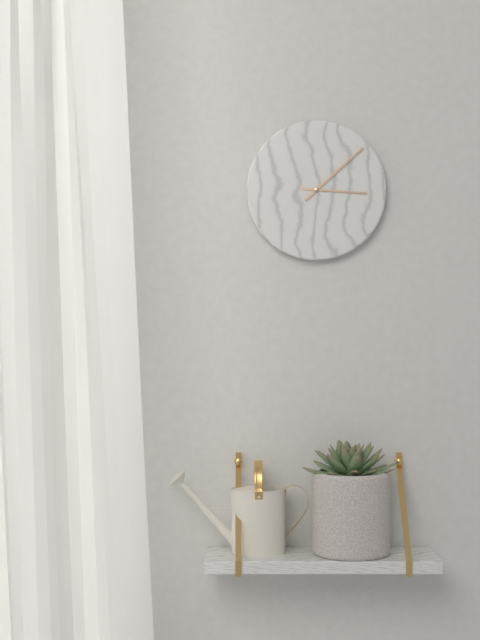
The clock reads {"hour": 3, "minute": 8}
